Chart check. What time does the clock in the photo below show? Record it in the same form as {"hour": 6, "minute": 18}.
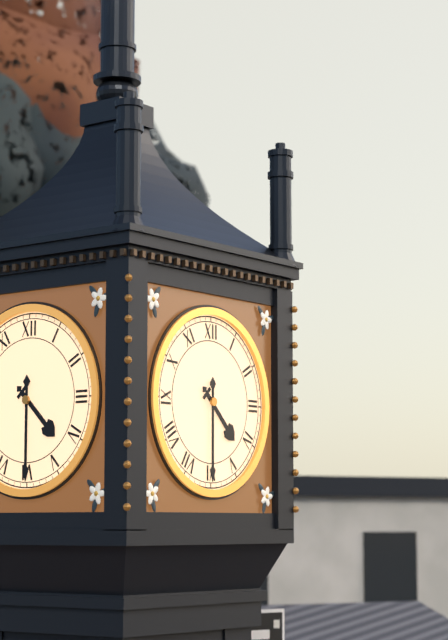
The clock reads {"hour": 4, "minute": 30}
